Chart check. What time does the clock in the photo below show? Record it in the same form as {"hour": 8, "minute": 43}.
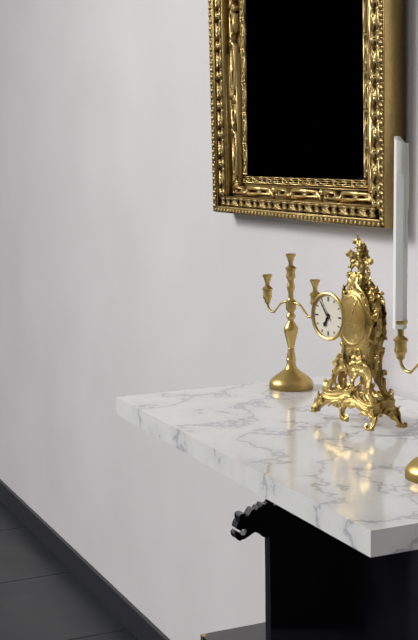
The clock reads {"hour": 6, "minute": 54}
